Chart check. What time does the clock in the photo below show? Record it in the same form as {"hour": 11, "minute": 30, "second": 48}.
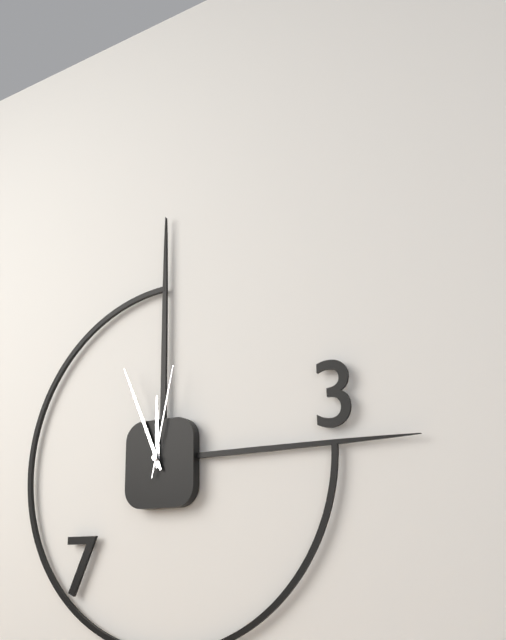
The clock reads {"hour": 11, "minute": 56, "second": 2}
